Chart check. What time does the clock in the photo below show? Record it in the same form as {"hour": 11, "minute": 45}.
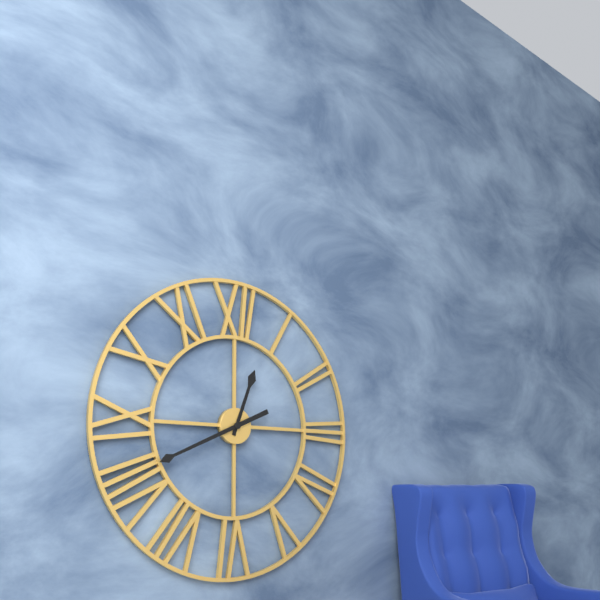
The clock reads {"hour": 12, "minute": 41}
